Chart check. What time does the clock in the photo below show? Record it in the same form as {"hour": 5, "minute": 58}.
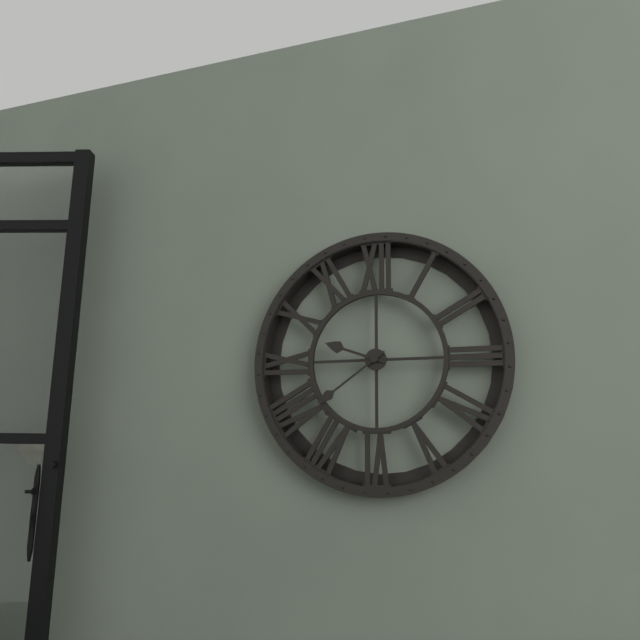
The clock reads {"hour": 9, "minute": 39}
